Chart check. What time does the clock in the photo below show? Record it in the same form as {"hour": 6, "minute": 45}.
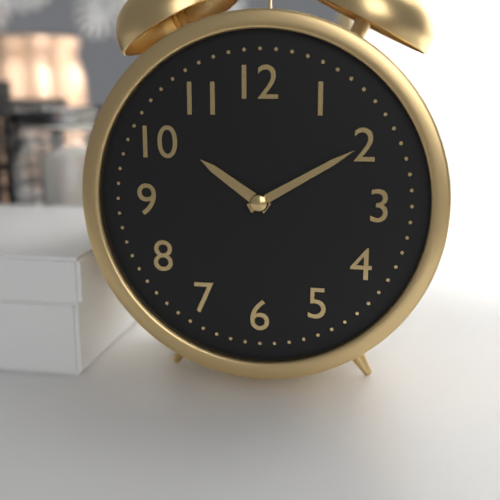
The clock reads {"hour": 10, "minute": 10}
